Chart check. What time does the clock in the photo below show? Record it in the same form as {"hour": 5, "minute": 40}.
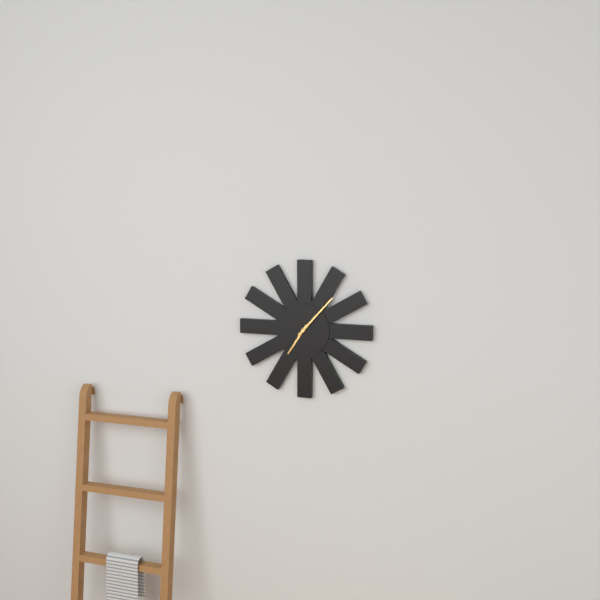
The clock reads {"hour": 7, "minute": 7}
